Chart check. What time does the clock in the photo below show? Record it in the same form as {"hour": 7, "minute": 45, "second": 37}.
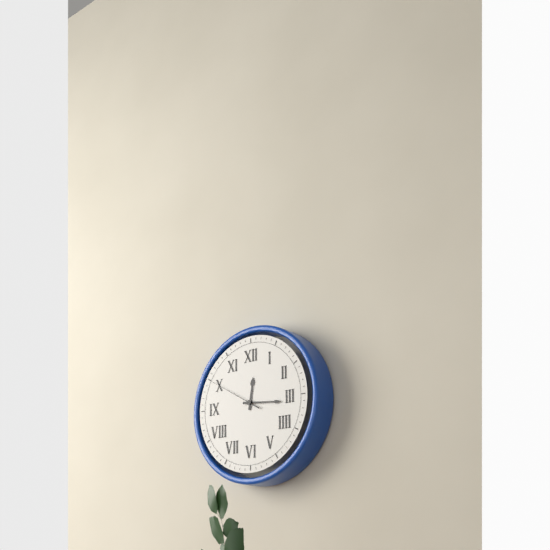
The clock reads {"hour": 12, "minute": 16, "second": 50}
